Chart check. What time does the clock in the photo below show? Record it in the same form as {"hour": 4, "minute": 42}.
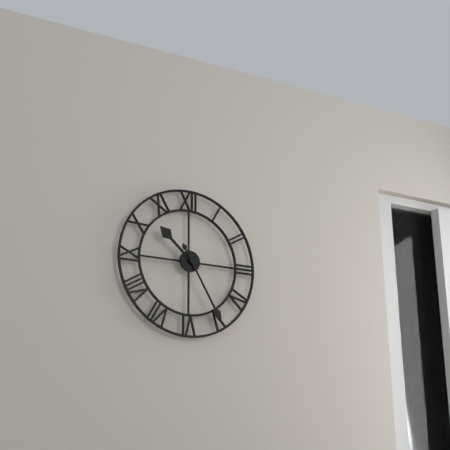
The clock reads {"hour": 10, "minute": 25}
